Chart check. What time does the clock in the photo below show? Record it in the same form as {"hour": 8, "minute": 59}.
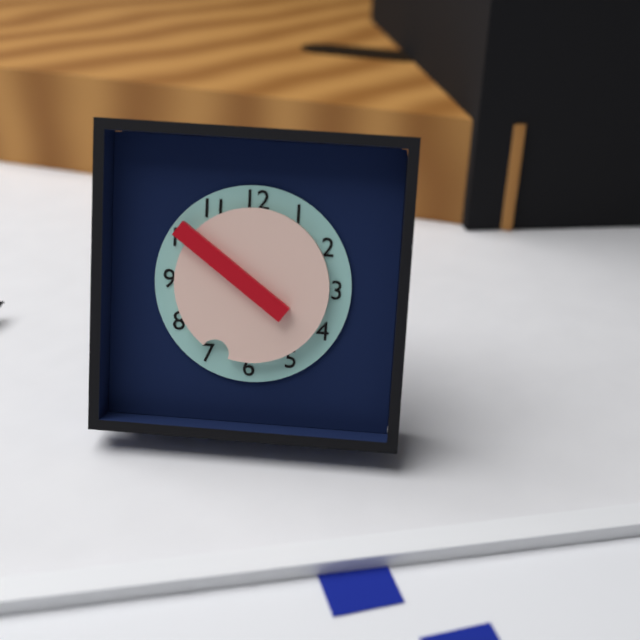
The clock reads {"hour": 6, "minute": 51}
